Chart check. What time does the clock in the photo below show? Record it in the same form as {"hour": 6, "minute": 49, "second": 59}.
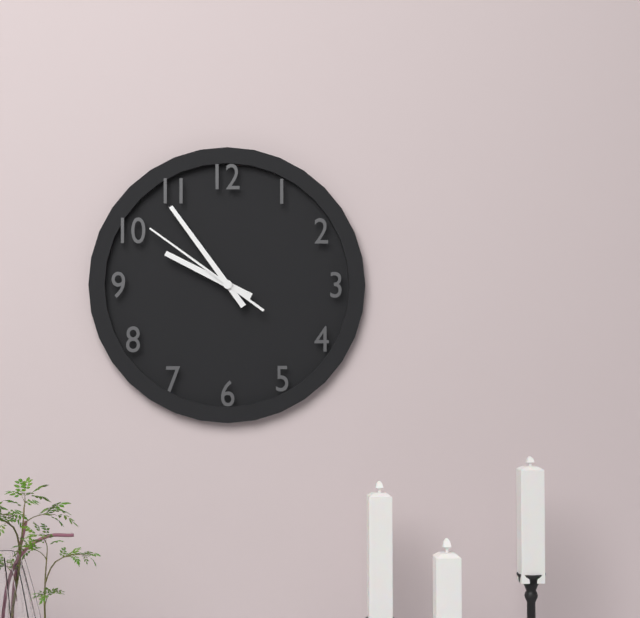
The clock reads {"hour": 9, "minute": 54, "second": 51}
